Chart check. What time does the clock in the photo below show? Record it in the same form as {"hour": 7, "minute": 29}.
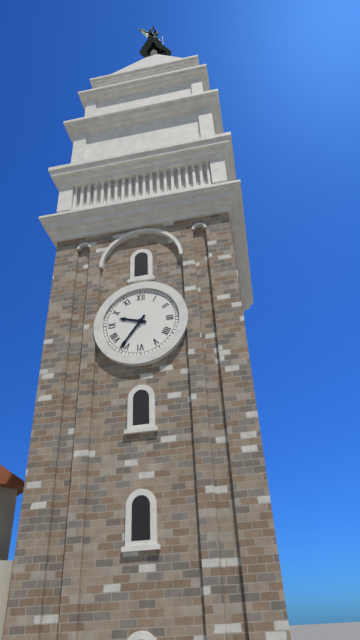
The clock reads {"hour": 9, "minute": 36}
